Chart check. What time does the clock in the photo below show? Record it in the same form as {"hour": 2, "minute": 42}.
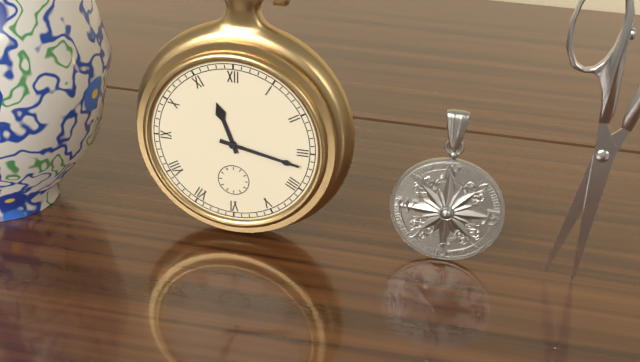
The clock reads {"hour": 11, "minute": 17}
